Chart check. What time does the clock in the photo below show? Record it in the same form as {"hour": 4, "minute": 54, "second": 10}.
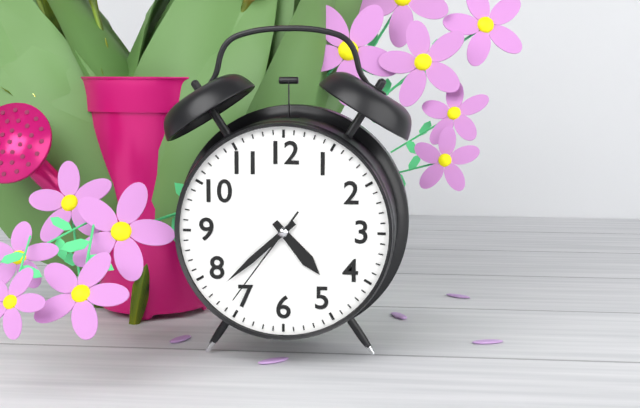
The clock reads {"hour": 4, "minute": 38, "second": 36}
